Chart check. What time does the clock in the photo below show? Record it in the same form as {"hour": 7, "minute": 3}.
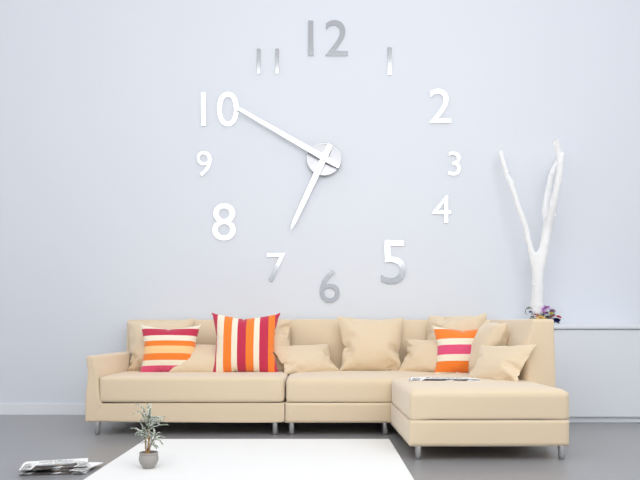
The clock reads {"hour": 6, "minute": 50}
